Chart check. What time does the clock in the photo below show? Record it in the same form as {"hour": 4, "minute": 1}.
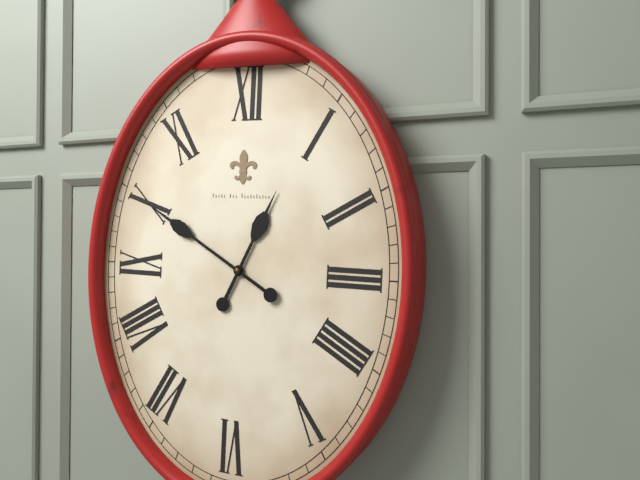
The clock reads {"hour": 12, "minute": 50}
